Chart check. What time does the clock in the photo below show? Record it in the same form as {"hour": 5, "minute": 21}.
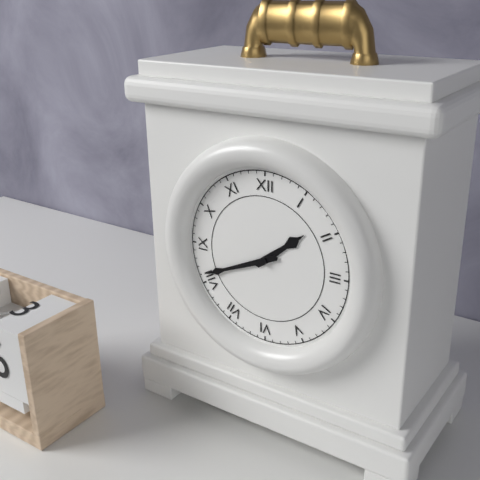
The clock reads {"hour": 1, "minute": 41}
